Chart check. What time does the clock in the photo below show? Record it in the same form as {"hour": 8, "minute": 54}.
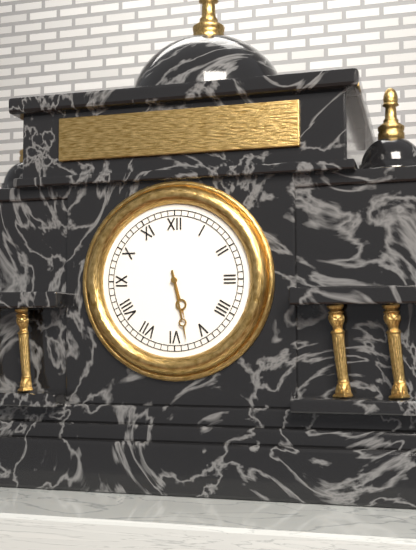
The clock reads {"hour": 5, "minute": 28}
